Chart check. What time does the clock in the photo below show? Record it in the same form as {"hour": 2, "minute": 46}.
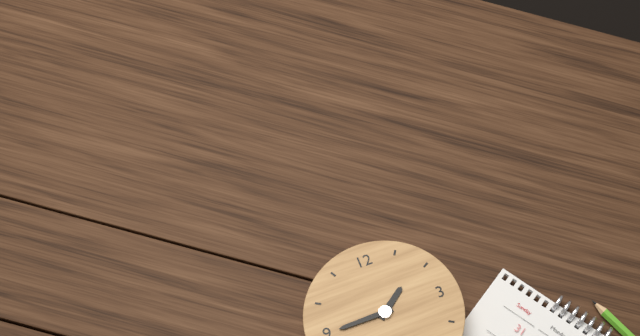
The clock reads {"hour": 1, "minute": 45}
